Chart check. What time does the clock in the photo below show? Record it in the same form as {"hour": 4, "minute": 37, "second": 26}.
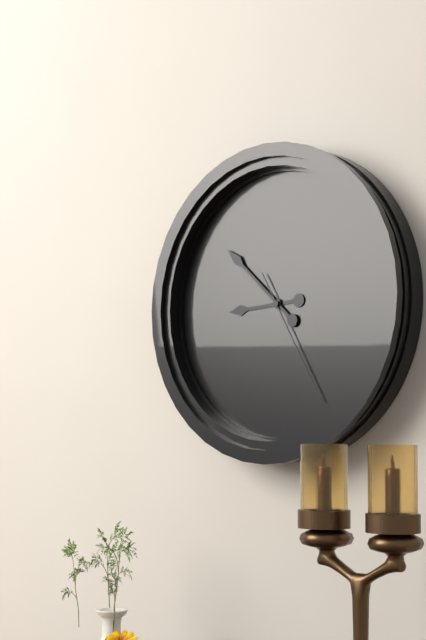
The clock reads {"hour": 8, "minute": 52, "second": 25}
